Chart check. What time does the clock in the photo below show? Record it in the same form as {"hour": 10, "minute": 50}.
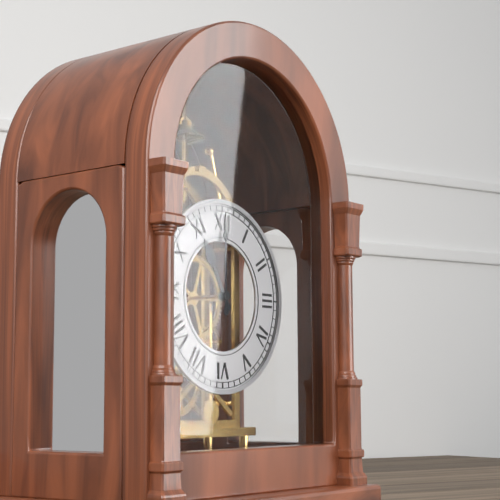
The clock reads {"hour": 11, "minute": 0}
